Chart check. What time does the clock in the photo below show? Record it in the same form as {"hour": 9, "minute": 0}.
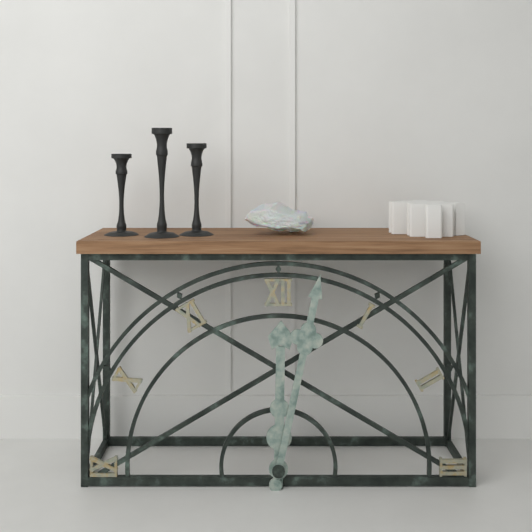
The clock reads {"hour": 12, "minute": 2}
